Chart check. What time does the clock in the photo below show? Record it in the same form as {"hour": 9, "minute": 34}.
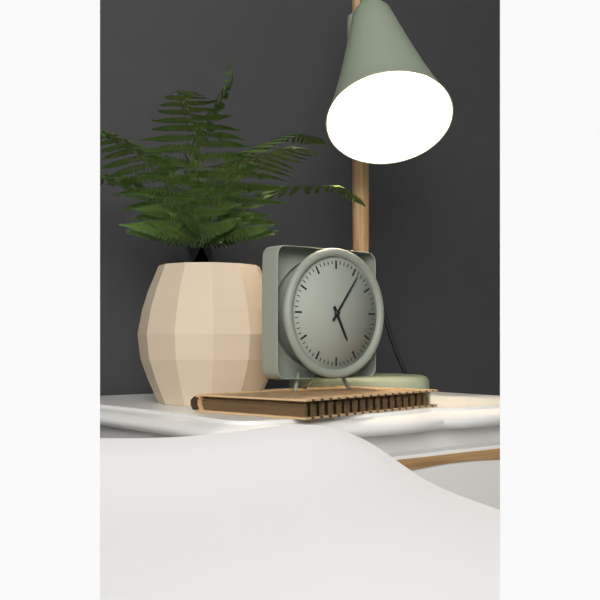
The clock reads {"hour": 5, "minute": 6}
